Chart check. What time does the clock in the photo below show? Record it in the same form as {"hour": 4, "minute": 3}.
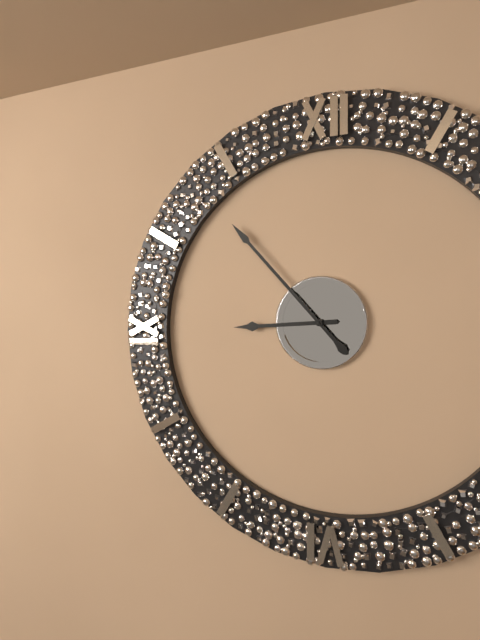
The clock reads {"hour": 8, "minute": 53}
